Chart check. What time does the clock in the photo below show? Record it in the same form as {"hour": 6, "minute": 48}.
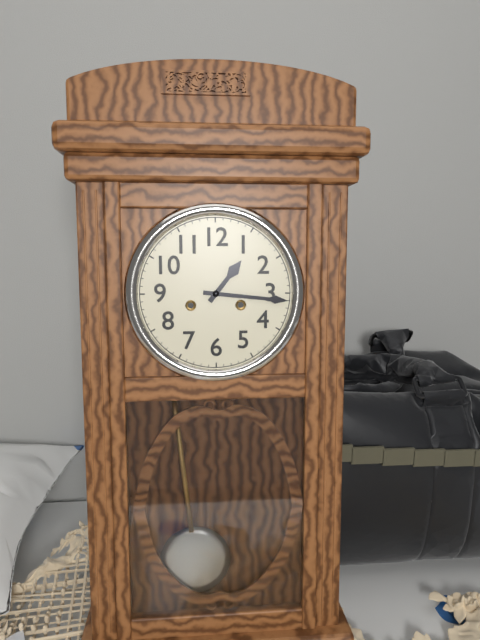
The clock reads {"hour": 1, "minute": 16}
